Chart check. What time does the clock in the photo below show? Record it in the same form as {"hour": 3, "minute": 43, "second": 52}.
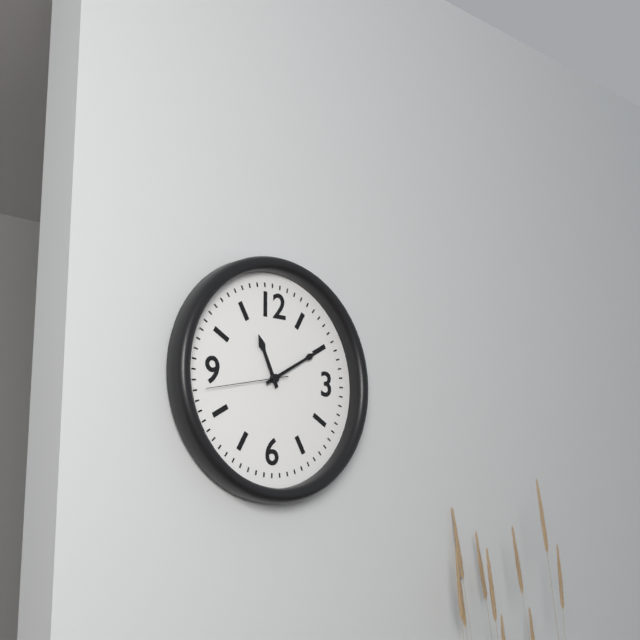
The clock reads {"hour": 11, "minute": 10, "second": 43}
